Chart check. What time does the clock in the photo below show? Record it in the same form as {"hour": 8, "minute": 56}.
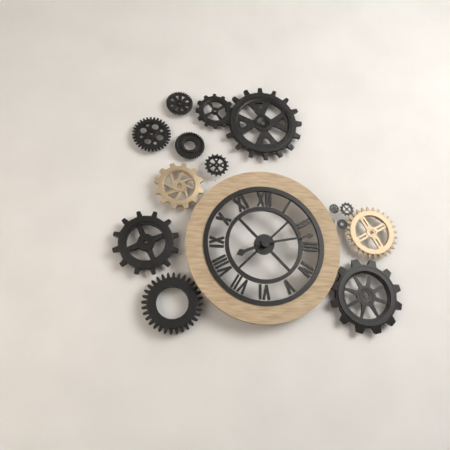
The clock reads {"hour": 8, "minute": 13}
